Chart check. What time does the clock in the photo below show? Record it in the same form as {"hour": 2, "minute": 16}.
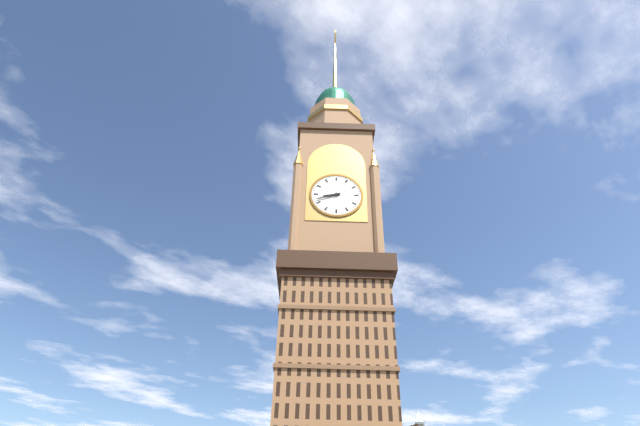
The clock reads {"hour": 8, "minute": 42}
